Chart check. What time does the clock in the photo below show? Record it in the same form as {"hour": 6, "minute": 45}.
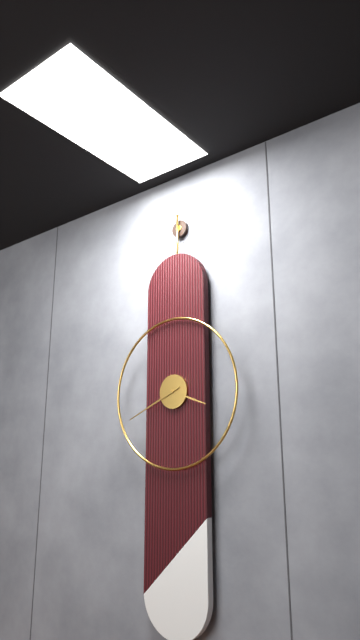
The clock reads {"hour": 3, "minute": 41}
